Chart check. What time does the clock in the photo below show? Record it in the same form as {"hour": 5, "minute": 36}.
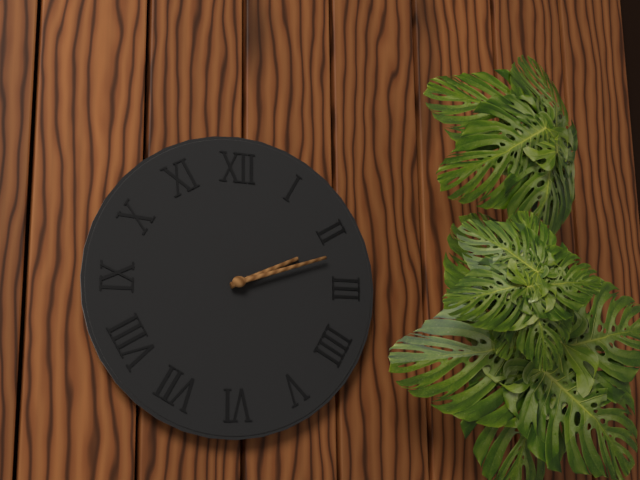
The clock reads {"hour": 2, "minute": 12}
